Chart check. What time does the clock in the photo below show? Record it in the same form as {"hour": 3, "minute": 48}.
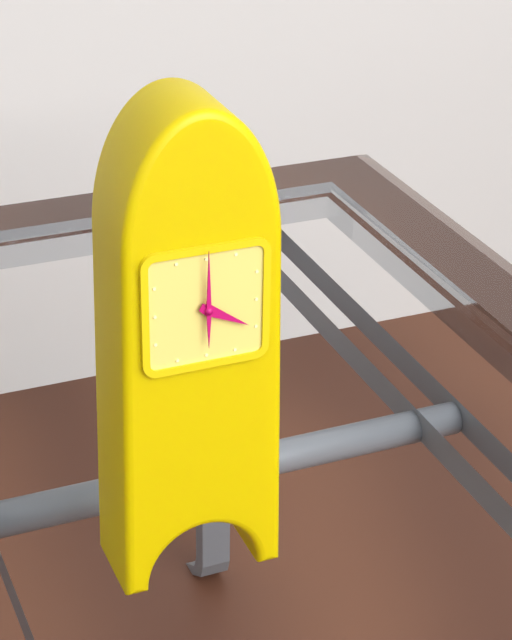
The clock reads {"hour": 4, "minute": 0}
